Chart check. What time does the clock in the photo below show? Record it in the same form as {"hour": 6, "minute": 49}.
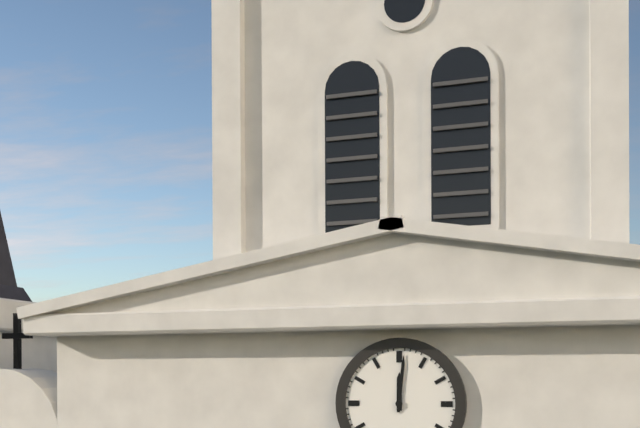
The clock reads {"hour": 12, "minute": 1}
